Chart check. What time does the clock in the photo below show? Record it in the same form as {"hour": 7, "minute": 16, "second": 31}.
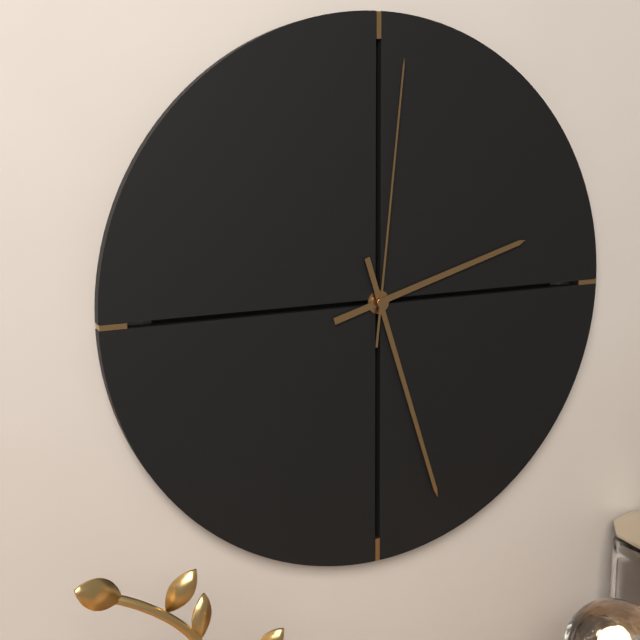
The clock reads {"hour": 2, "minute": 27, "second": 1}
